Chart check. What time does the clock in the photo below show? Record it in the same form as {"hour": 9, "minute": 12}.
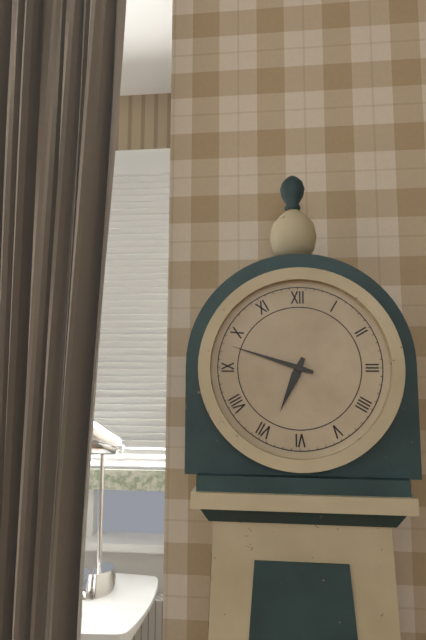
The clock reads {"hour": 6, "minute": 48}
